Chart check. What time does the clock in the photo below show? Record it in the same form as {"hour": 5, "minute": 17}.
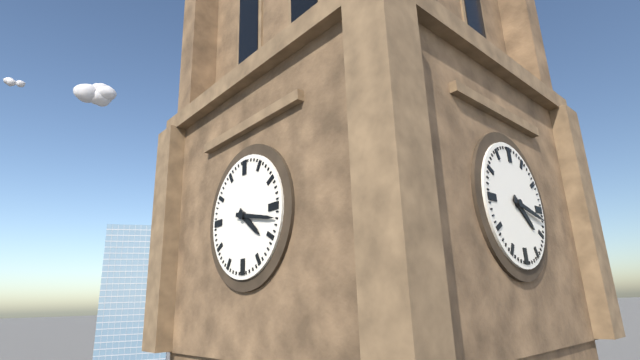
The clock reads {"hour": 4, "minute": 17}
